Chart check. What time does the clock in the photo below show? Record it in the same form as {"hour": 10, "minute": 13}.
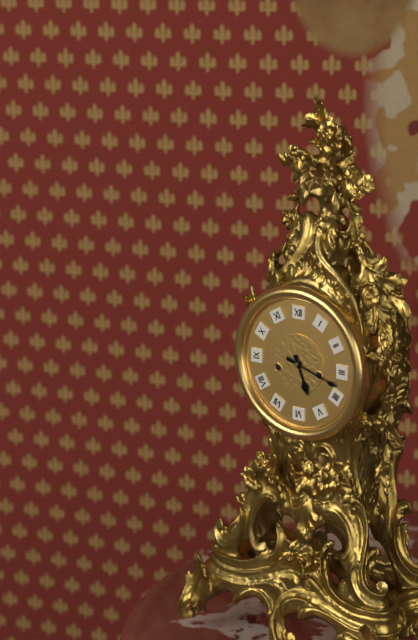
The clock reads {"hour": 5, "minute": 18}
